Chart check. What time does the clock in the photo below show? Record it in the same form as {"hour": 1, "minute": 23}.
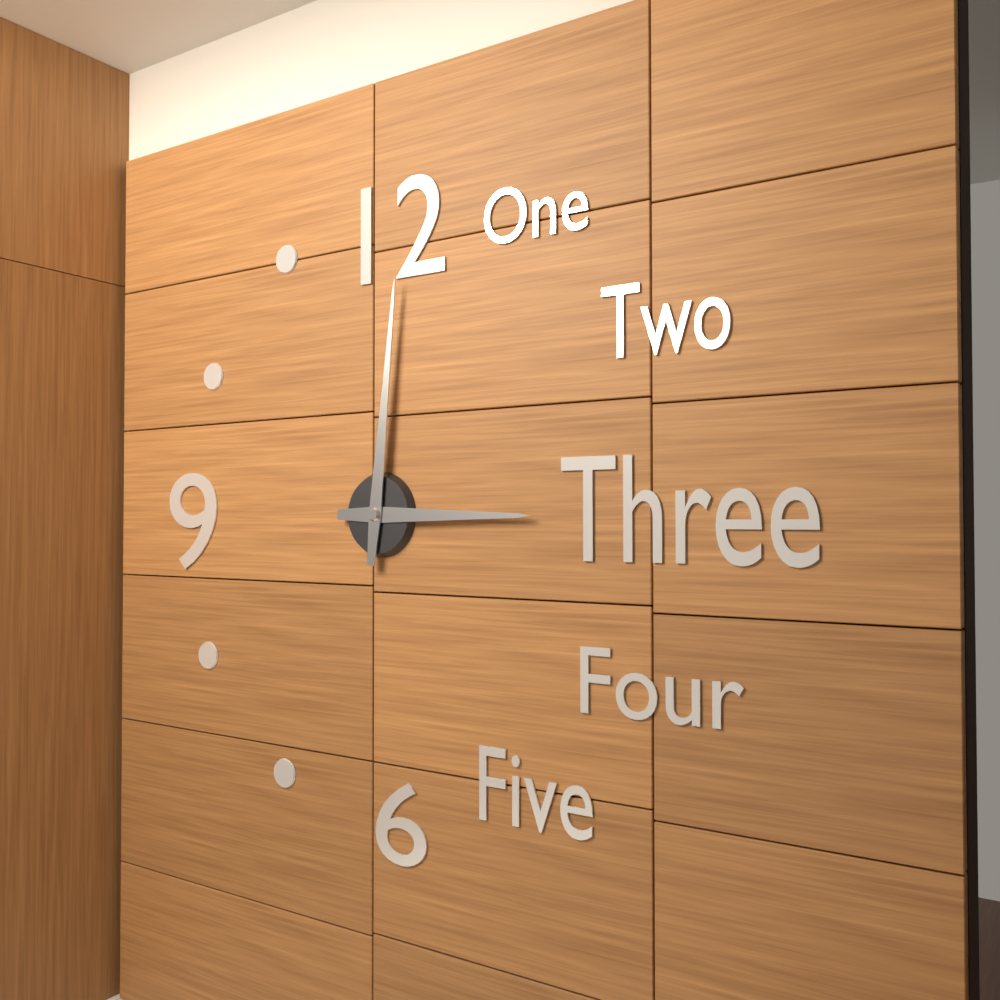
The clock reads {"hour": 3, "minute": 1}
